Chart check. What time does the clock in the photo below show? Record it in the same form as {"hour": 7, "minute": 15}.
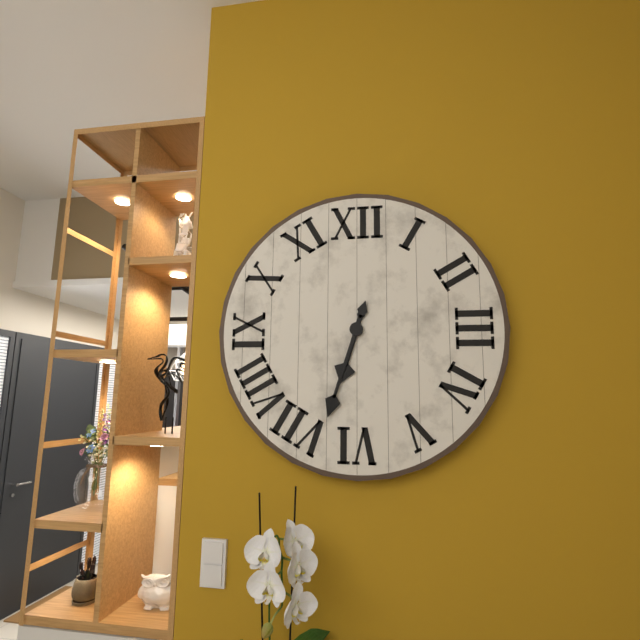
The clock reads {"hour": 6, "minute": 33}
